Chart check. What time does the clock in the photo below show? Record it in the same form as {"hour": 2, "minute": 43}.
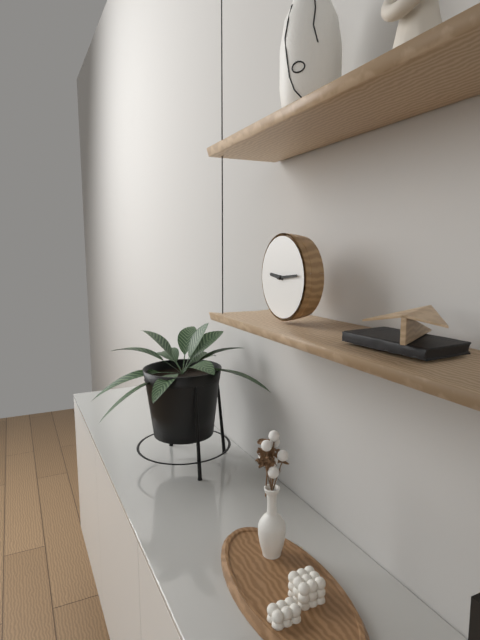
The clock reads {"hour": 9, "minute": 14}
